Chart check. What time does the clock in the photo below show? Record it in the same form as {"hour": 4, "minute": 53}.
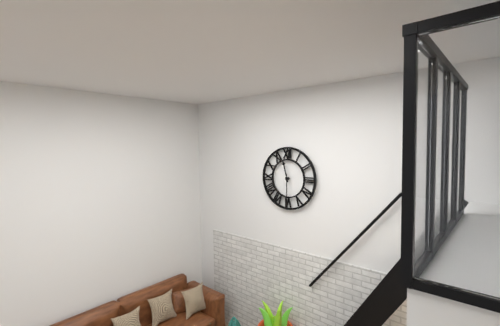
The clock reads {"hour": 11, "minute": 30}
